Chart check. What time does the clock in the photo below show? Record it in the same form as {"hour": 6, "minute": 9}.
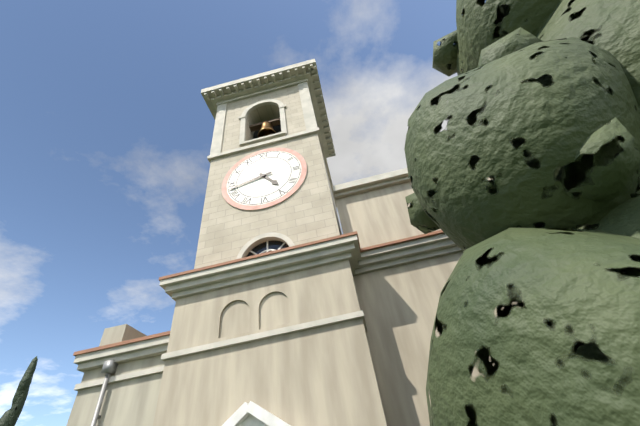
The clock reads {"hour": 4, "minute": 43}
